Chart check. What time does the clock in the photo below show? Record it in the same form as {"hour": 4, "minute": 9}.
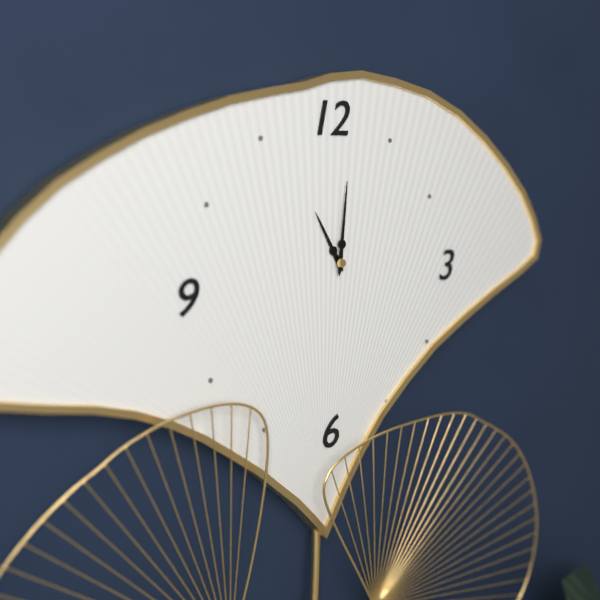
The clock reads {"hour": 11, "minute": 1}
